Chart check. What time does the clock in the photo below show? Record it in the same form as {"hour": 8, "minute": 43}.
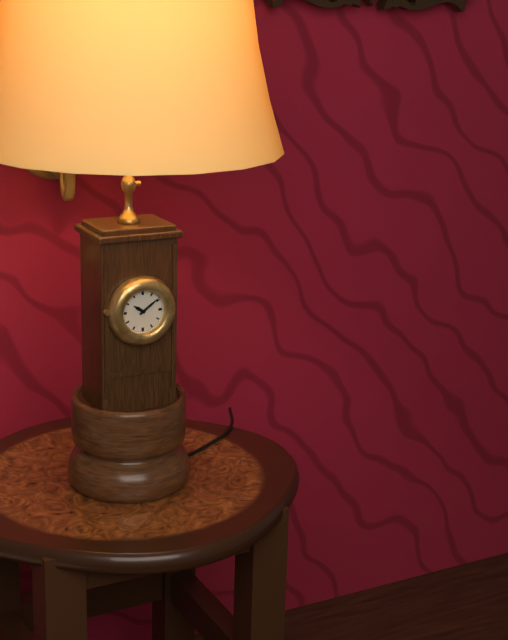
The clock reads {"hour": 10, "minute": 9}
